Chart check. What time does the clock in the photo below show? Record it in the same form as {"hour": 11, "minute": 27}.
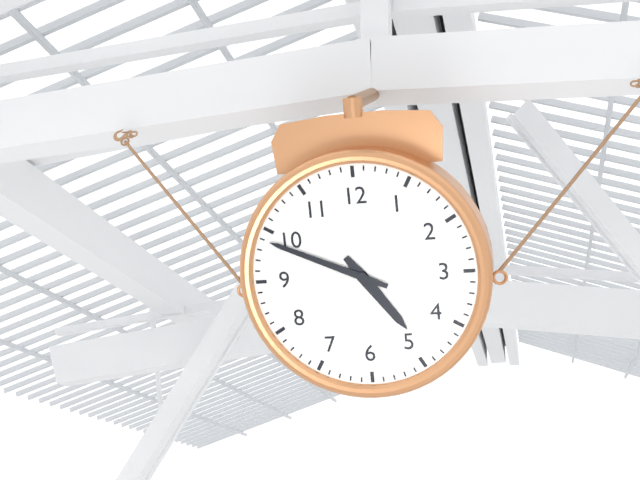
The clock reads {"hour": 4, "minute": 49}
